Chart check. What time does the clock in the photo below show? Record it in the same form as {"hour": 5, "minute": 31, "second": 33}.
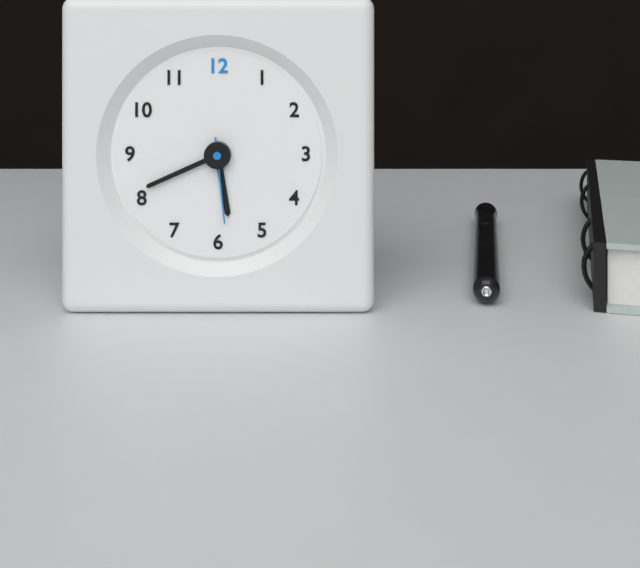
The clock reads {"hour": 5, "minute": 41, "second": 29}
